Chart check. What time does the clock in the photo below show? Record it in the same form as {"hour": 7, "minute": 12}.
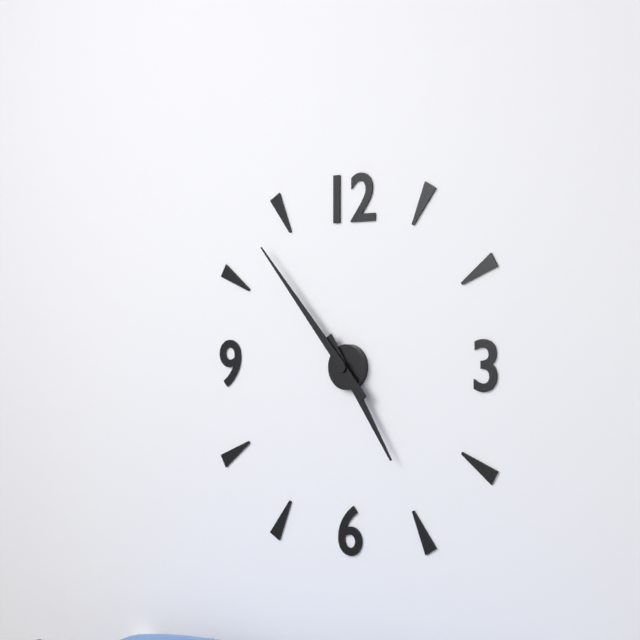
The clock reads {"hour": 4, "minute": 53}
